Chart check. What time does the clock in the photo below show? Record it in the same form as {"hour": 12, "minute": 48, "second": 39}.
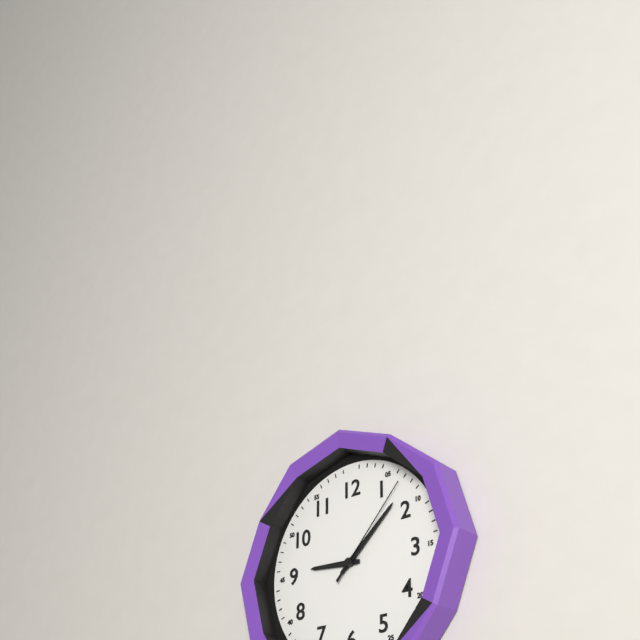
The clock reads {"hour": 9, "minute": 8, "second": 7}
